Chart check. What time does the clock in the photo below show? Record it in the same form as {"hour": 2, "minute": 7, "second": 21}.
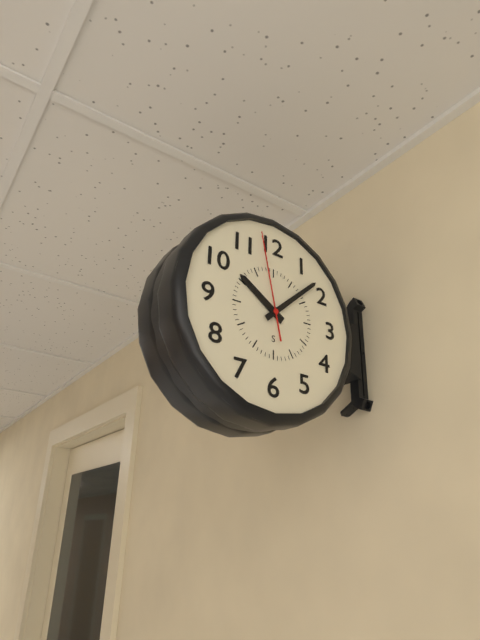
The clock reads {"hour": 10, "minute": 8, "second": 58}
